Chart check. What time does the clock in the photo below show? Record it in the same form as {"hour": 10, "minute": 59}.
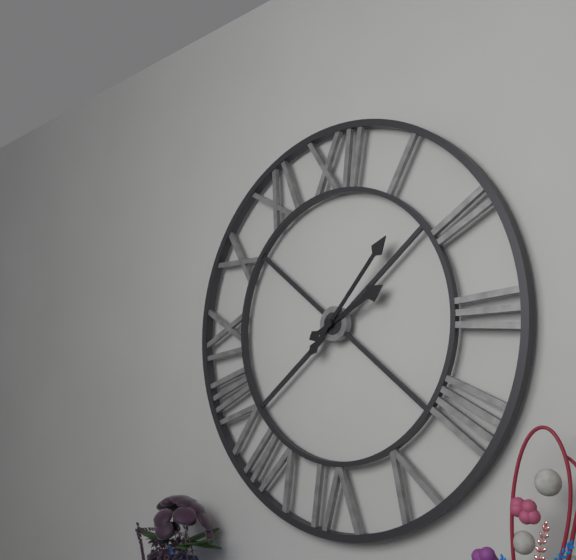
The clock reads {"hour": 2, "minute": 7}
